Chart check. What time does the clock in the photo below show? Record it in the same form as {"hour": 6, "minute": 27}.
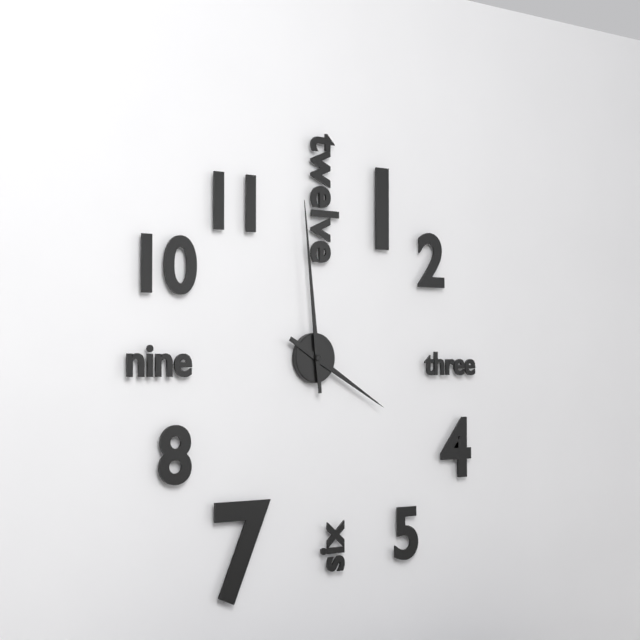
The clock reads {"hour": 3, "minute": 59}
